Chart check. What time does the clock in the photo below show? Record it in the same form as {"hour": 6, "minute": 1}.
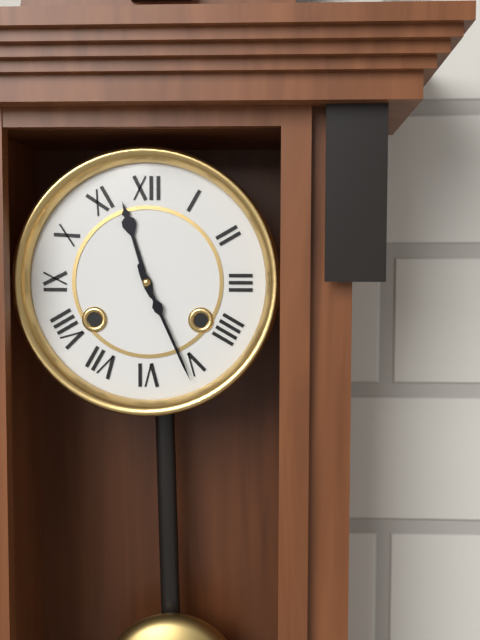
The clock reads {"hour": 11, "minute": 26}
